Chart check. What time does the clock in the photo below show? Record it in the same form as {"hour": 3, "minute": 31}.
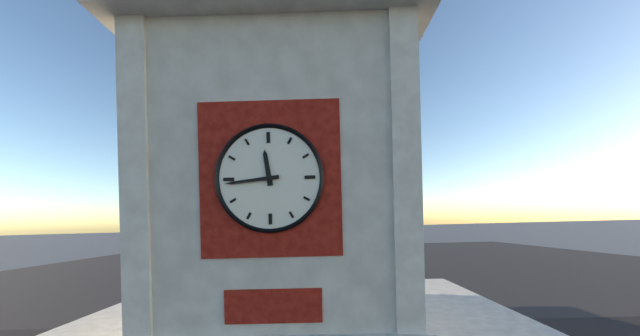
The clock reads {"hour": 11, "minute": 44}
